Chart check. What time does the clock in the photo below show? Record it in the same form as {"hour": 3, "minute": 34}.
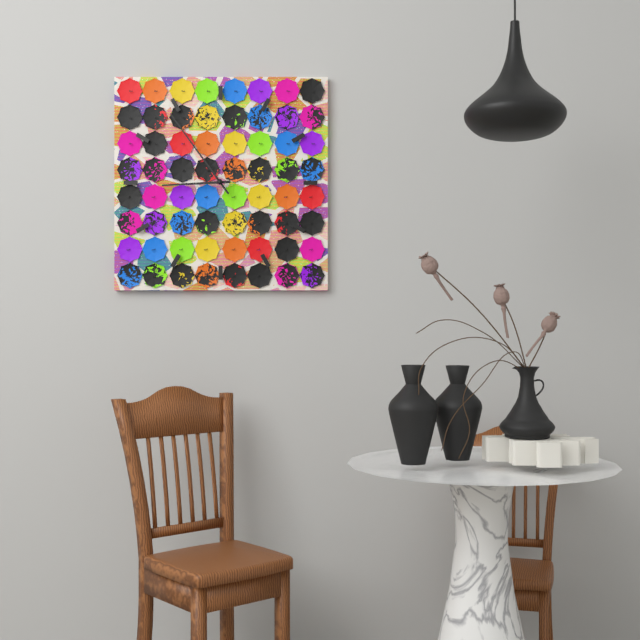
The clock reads {"hour": 8, "minute": 54}
